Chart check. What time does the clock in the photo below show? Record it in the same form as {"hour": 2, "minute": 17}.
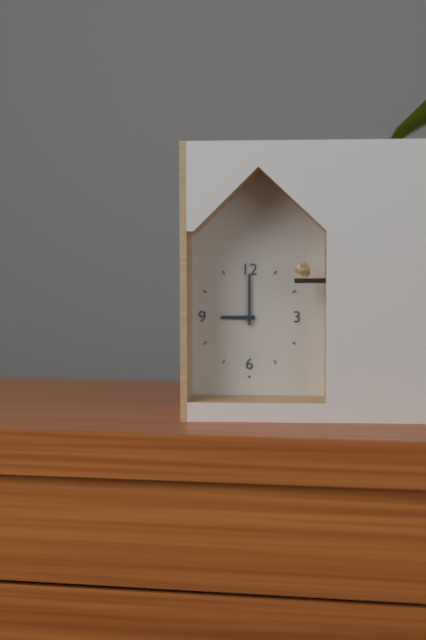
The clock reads {"hour": 9, "minute": 0}
